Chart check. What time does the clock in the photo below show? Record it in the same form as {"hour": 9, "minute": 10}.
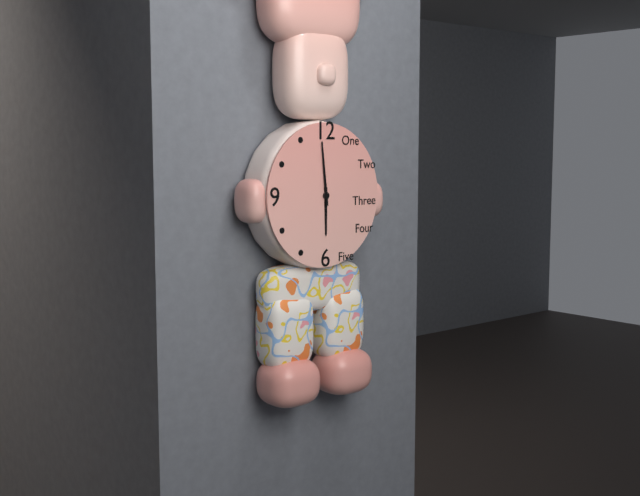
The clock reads {"hour": 5, "minute": 59}
